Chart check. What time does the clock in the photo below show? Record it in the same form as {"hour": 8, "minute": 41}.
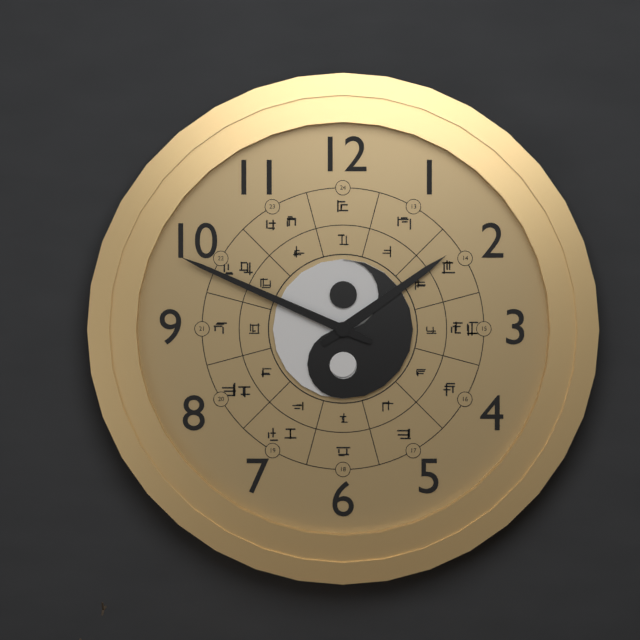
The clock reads {"hour": 1, "minute": 49}
